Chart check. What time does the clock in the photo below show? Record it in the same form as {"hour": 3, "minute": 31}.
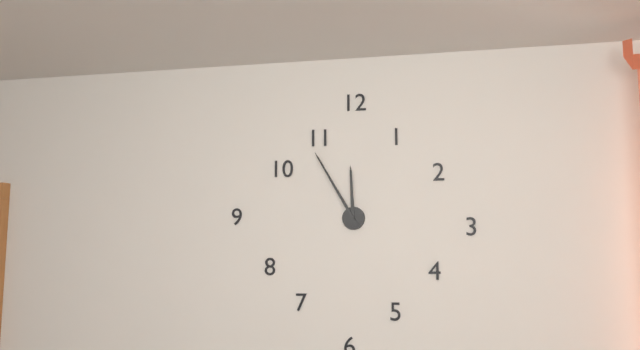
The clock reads {"hour": 11, "minute": 55}
